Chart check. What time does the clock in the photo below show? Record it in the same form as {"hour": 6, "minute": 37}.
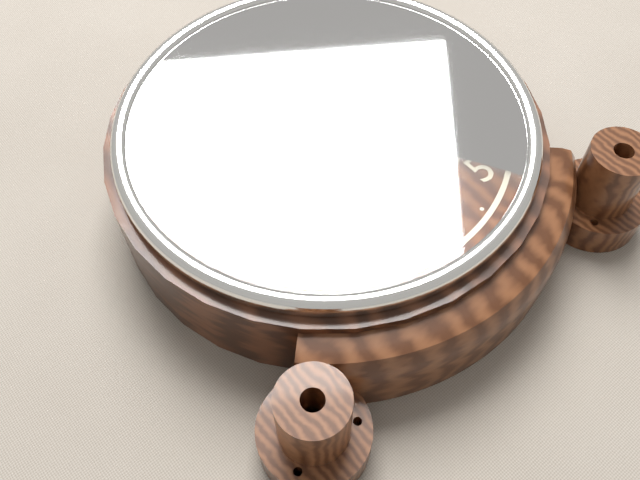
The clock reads {"hour": 8, "minute": 10}
